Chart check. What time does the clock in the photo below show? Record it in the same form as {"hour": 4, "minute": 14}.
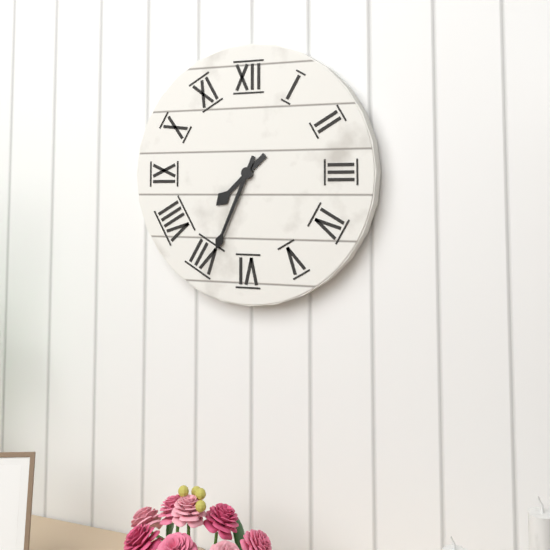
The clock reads {"hour": 7, "minute": 34}
